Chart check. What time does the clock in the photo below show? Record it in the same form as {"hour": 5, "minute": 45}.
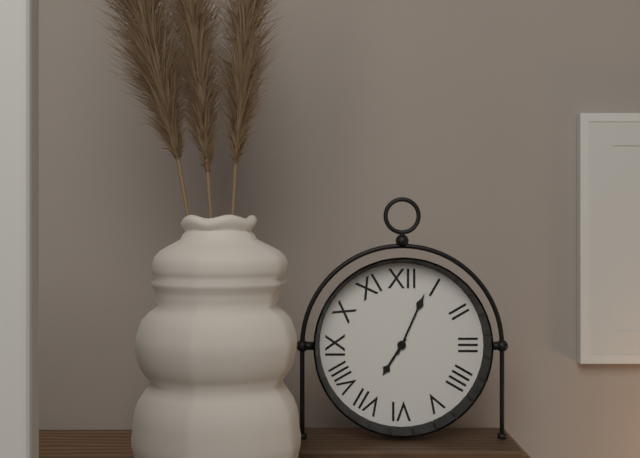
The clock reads {"hour": 7, "minute": 4}
